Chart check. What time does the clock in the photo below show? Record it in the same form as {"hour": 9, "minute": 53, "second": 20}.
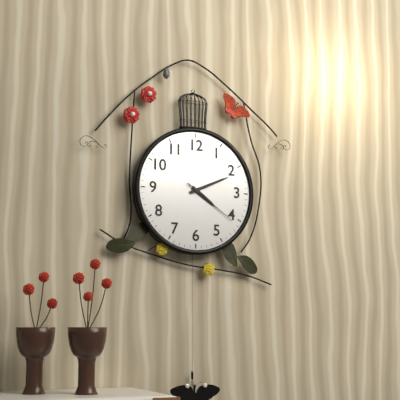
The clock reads {"hour": 4, "minute": 11, "second": 21}
